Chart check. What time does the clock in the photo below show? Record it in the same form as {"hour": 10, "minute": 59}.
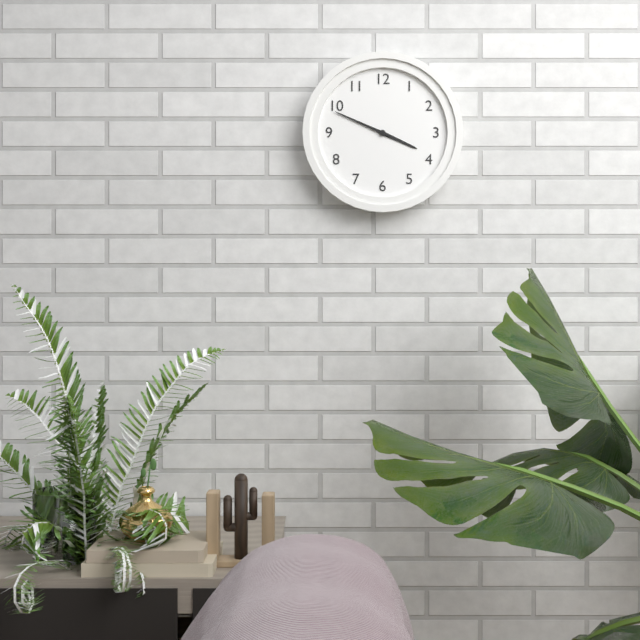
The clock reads {"hour": 3, "minute": 49}
